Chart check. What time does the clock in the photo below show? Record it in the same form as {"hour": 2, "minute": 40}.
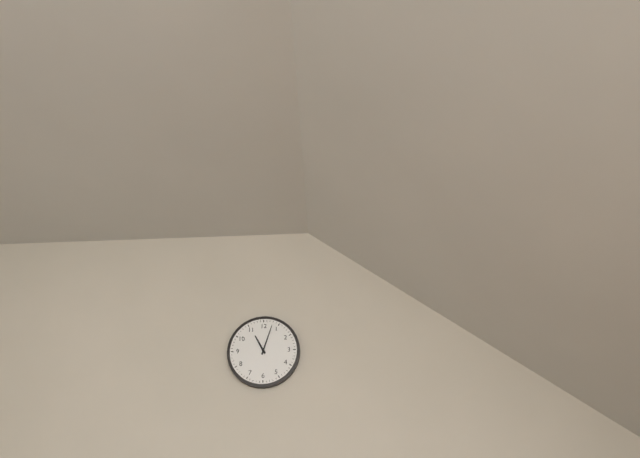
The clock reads {"hour": 11, "minute": 3}
